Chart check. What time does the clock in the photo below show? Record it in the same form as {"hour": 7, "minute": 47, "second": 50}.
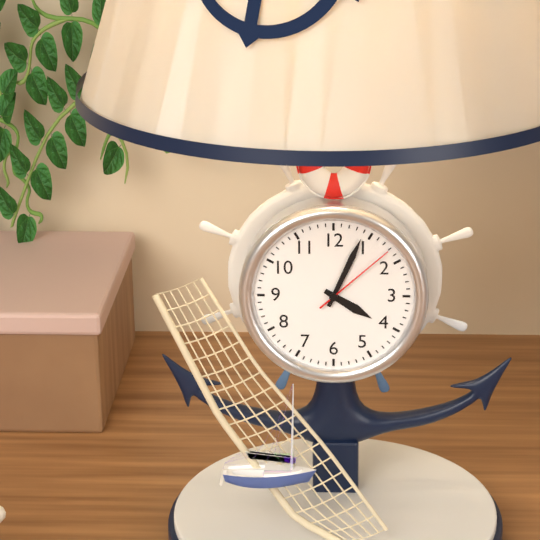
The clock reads {"hour": 4, "minute": 4, "second": 8}
